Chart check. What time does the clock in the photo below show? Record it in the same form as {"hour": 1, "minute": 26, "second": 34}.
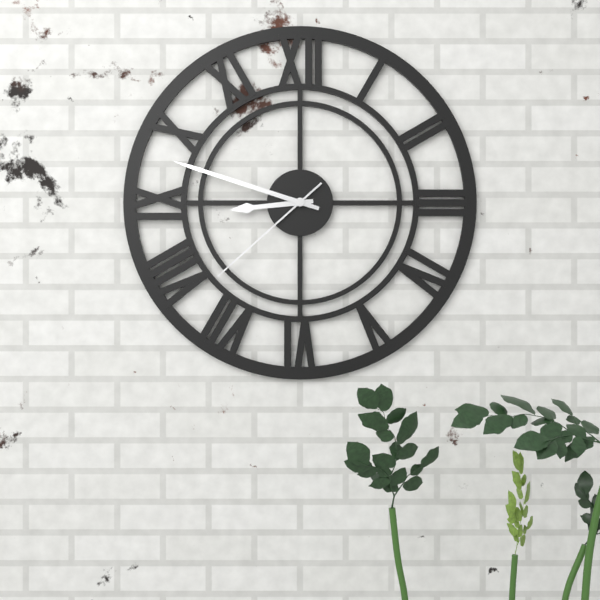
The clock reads {"hour": 8, "minute": 48, "second": 38}
